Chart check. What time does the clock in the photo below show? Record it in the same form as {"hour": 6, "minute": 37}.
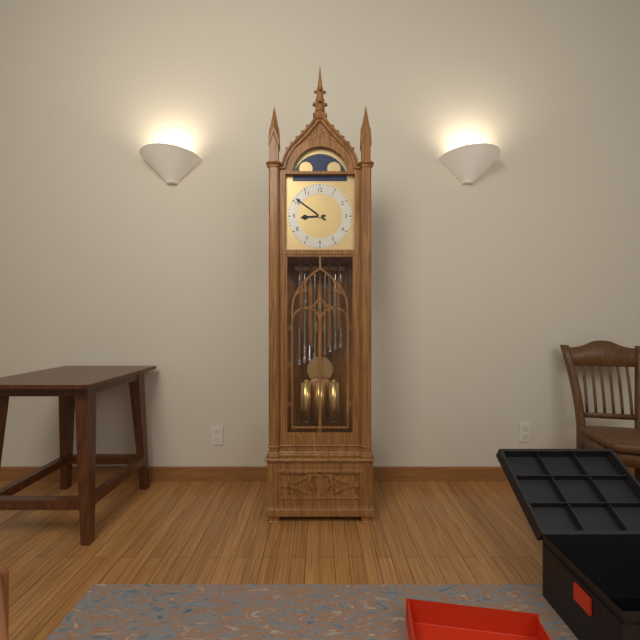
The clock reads {"hour": 8, "minute": 51}
